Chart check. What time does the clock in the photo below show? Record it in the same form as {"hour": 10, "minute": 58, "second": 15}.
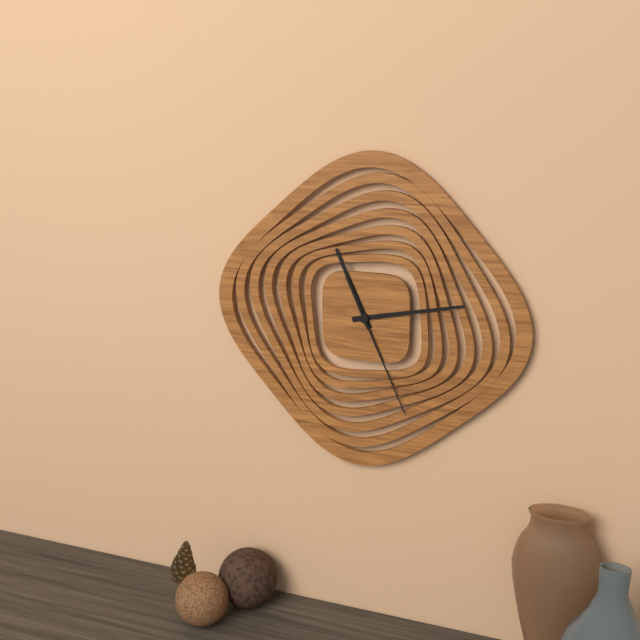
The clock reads {"hour": 11, "minute": 13, "second": 26}
